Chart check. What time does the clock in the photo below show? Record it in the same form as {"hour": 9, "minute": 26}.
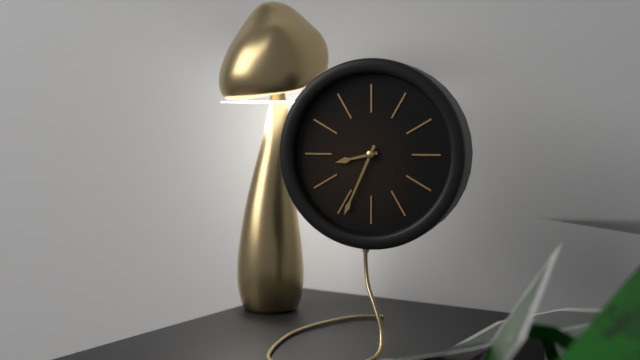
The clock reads {"hour": 8, "minute": 34}
